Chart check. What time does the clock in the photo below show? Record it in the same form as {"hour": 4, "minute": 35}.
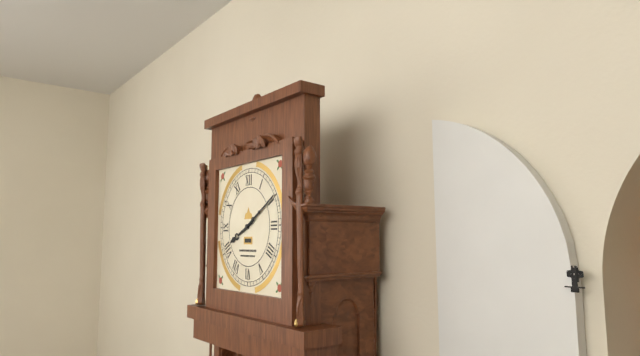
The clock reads {"hour": 8, "minute": 10}
